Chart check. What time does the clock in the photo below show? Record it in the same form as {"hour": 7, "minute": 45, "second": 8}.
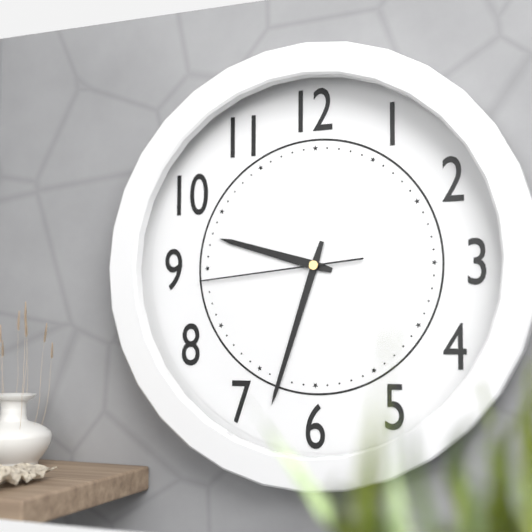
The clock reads {"hour": 9, "minute": 33, "second": 44}
